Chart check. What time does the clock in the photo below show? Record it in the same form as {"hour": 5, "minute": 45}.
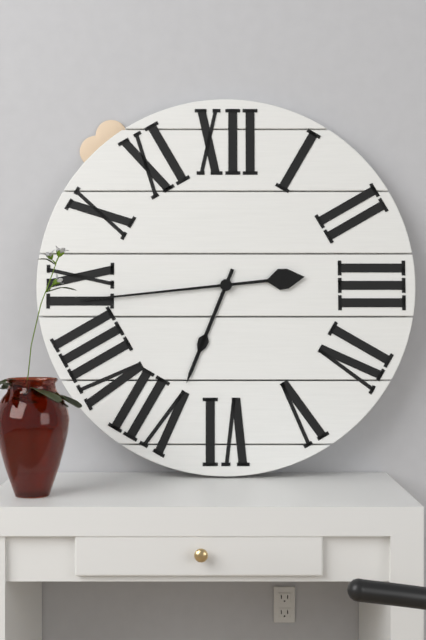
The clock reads {"hour": 6, "minute": 44}
